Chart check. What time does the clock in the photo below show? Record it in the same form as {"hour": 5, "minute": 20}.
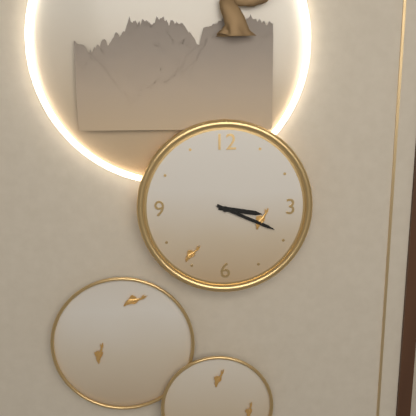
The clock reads {"hour": 3, "minute": 19}
